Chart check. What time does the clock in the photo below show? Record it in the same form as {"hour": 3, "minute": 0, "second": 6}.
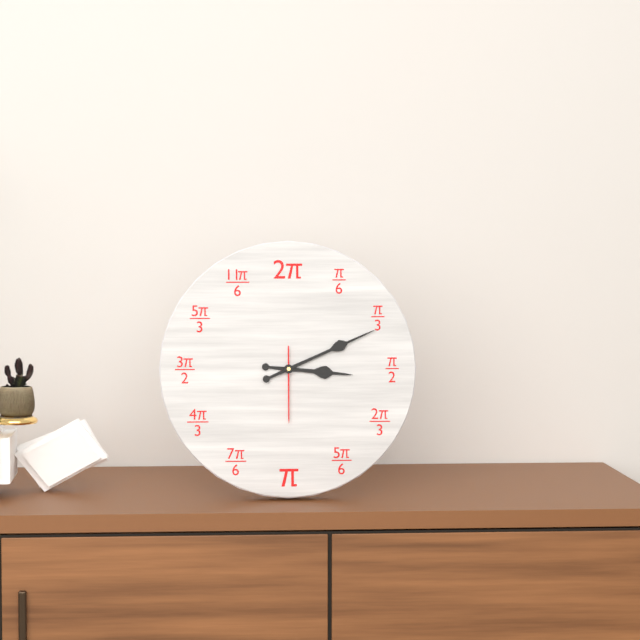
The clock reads {"hour": 3, "minute": 11, "second": 30}
